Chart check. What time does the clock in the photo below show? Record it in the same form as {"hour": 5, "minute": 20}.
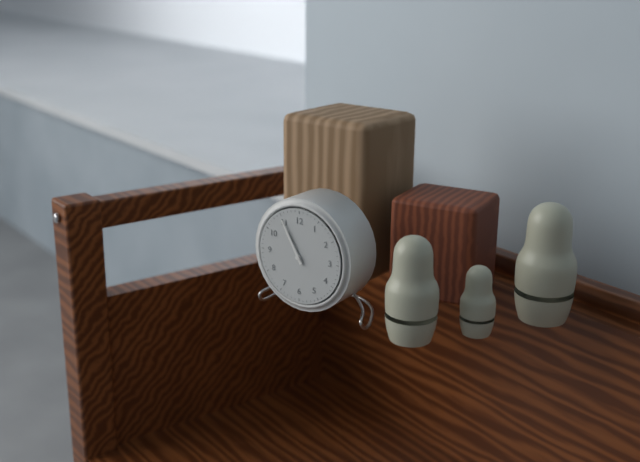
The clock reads {"hour": 10, "minute": 55}
